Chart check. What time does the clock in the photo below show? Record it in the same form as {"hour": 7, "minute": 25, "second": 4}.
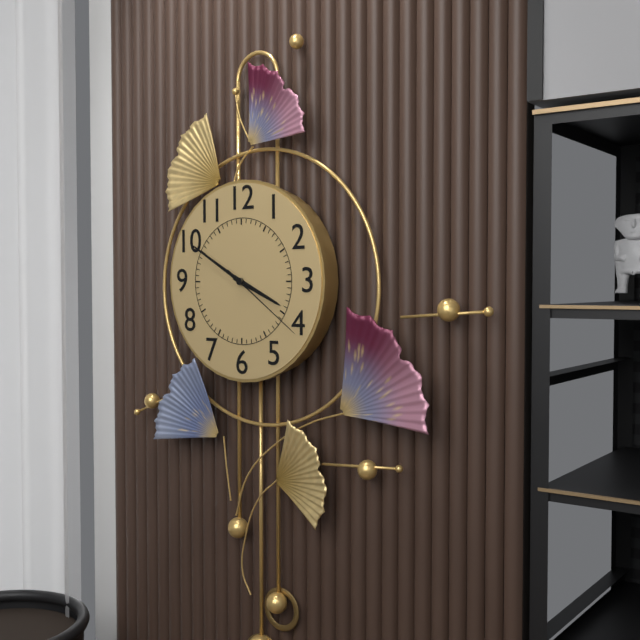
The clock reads {"hour": 3, "minute": 50, "second": 21}
